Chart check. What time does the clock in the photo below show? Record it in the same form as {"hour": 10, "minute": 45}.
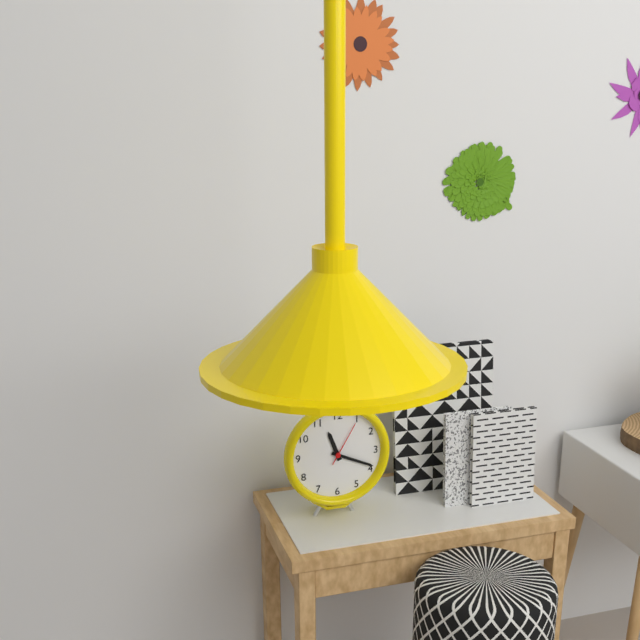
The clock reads {"hour": 11, "minute": 19}
